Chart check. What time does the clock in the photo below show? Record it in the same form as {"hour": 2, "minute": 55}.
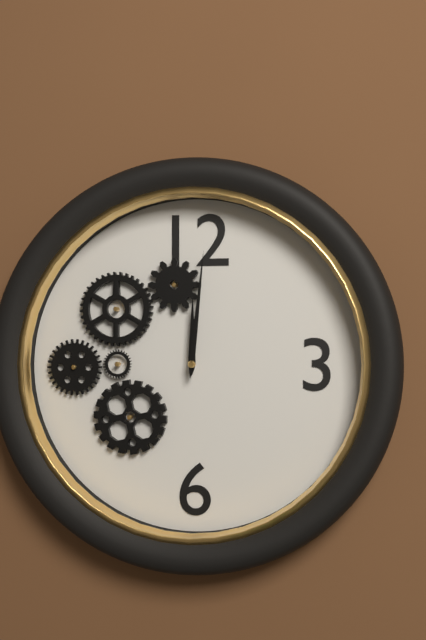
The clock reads {"hour": 12, "minute": 1}
